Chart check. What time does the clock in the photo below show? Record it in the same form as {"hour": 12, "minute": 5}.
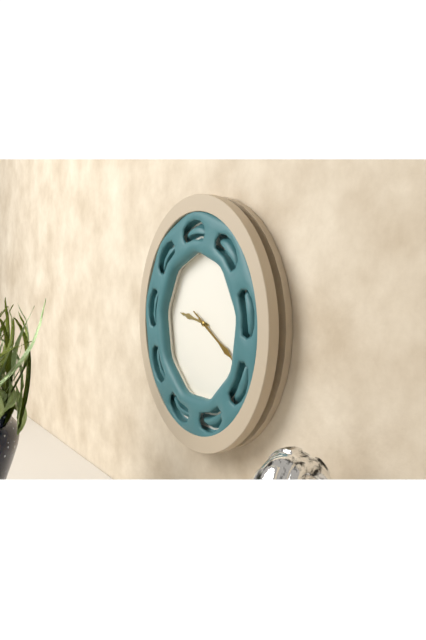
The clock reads {"hour": 9, "minute": 20}
